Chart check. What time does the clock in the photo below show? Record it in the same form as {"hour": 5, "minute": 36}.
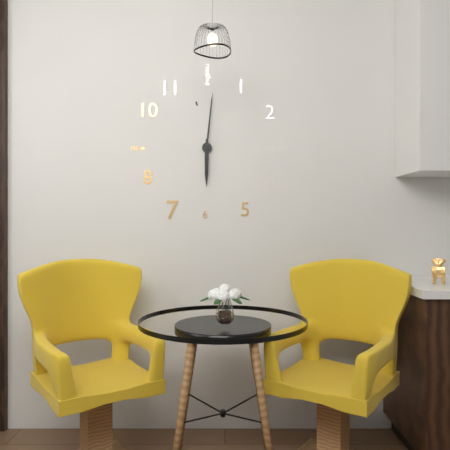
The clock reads {"hour": 6, "minute": 1}
